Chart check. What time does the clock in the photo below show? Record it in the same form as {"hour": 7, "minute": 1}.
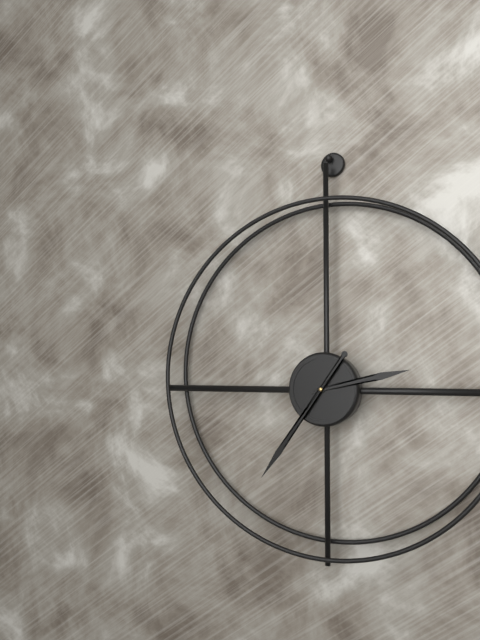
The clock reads {"hour": 2, "minute": 36}
